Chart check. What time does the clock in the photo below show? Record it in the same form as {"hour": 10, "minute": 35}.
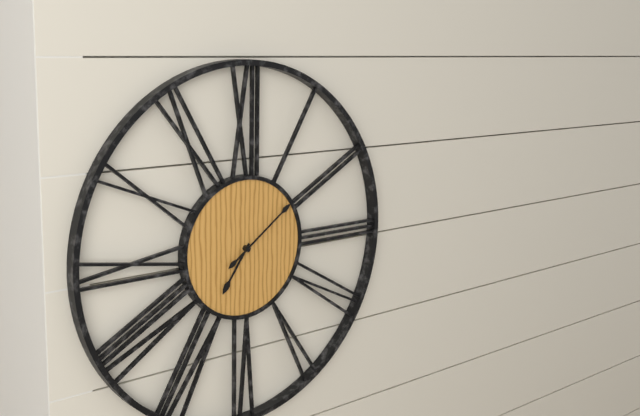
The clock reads {"hour": 7, "minute": 9}
